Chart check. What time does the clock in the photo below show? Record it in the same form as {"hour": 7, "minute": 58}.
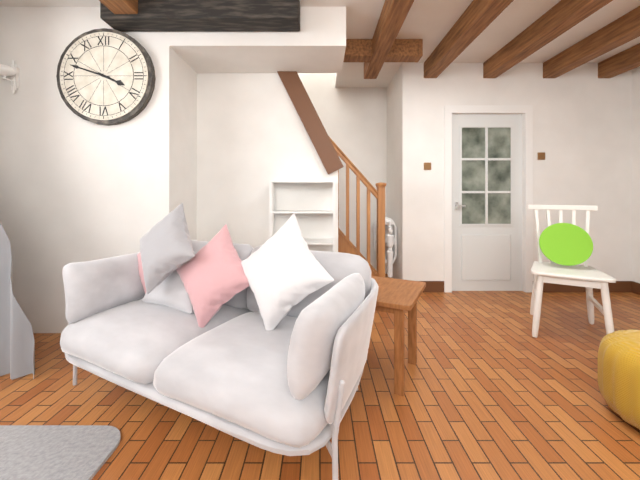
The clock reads {"hour": 3, "minute": 48}
